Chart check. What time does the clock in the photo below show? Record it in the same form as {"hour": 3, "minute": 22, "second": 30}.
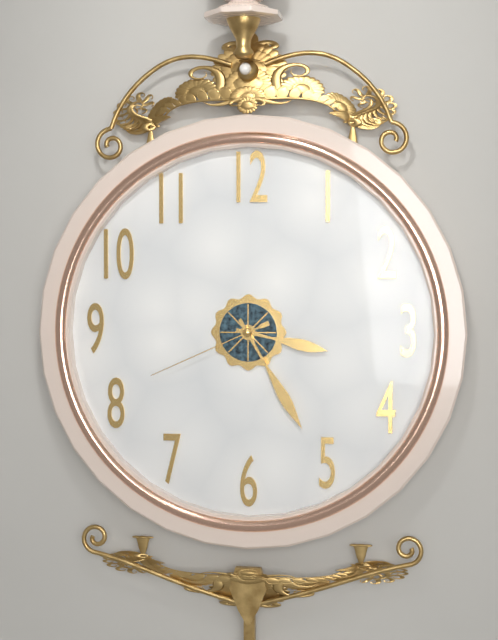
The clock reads {"hour": 3, "minute": 25, "second": 41}
